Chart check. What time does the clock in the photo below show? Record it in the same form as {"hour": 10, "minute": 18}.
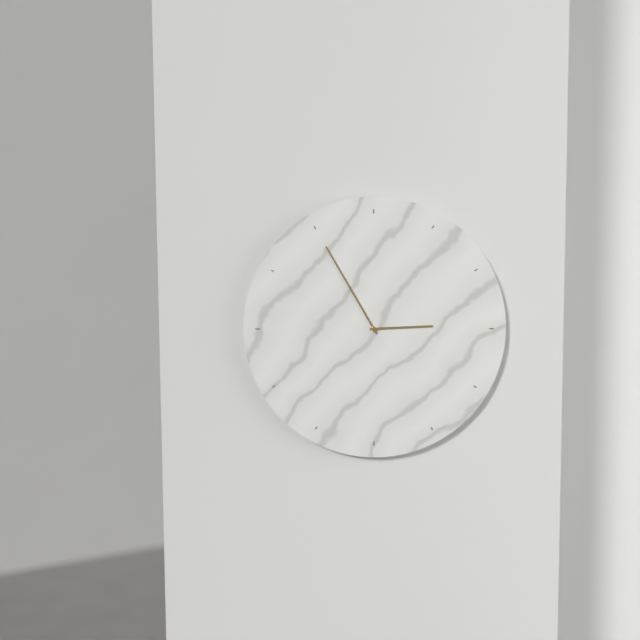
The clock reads {"hour": 2, "minute": 55}
